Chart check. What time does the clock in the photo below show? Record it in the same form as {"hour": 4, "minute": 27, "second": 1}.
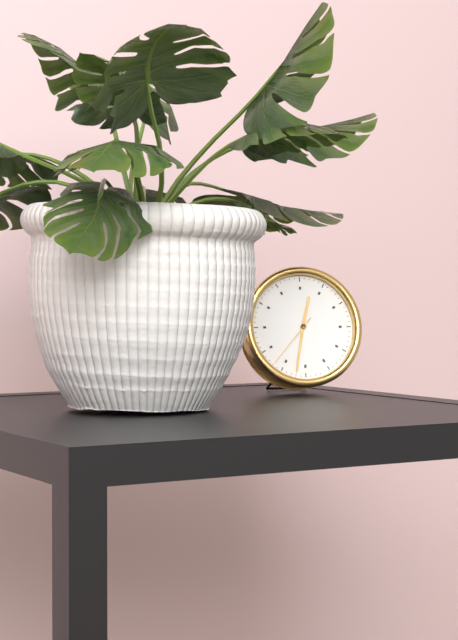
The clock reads {"hour": 12, "minute": 32, "second": 37}
